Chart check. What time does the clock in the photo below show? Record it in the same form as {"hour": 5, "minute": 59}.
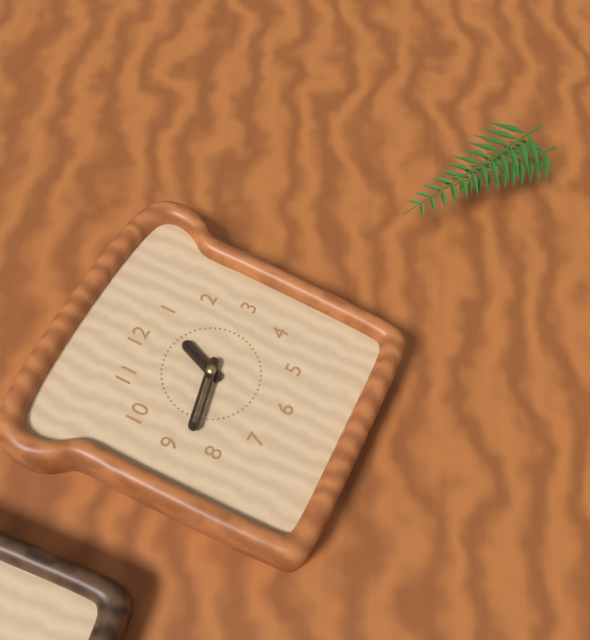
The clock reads {"hour": 12, "minute": 43}
